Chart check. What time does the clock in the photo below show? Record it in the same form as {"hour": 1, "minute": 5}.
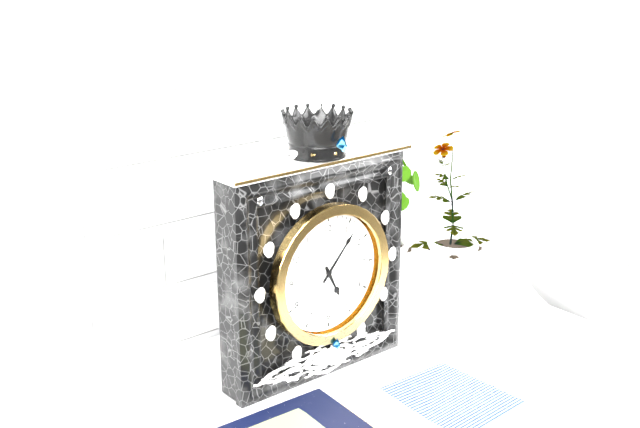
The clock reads {"hour": 5, "minute": 7}
